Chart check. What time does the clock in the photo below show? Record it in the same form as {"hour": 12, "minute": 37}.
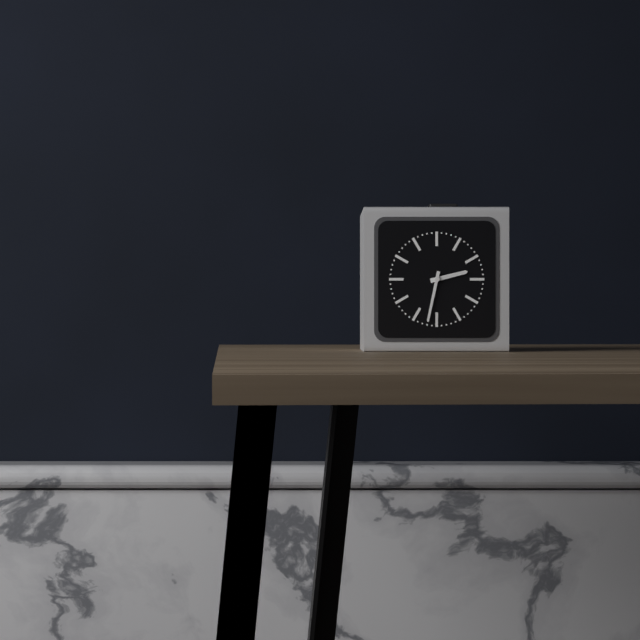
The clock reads {"hour": 2, "minute": 32}
